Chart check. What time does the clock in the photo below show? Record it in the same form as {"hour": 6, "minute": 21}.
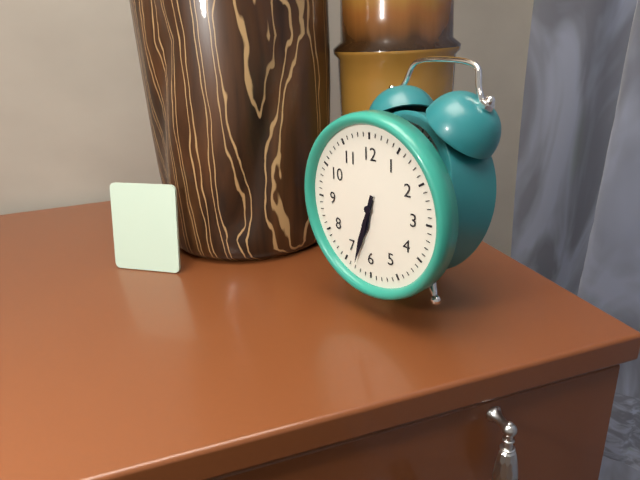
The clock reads {"hour": 6, "minute": 33}
